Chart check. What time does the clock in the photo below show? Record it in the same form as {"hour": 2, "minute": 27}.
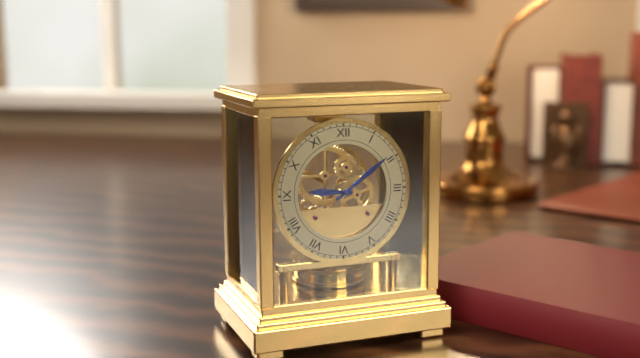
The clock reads {"hour": 9, "minute": 9}
